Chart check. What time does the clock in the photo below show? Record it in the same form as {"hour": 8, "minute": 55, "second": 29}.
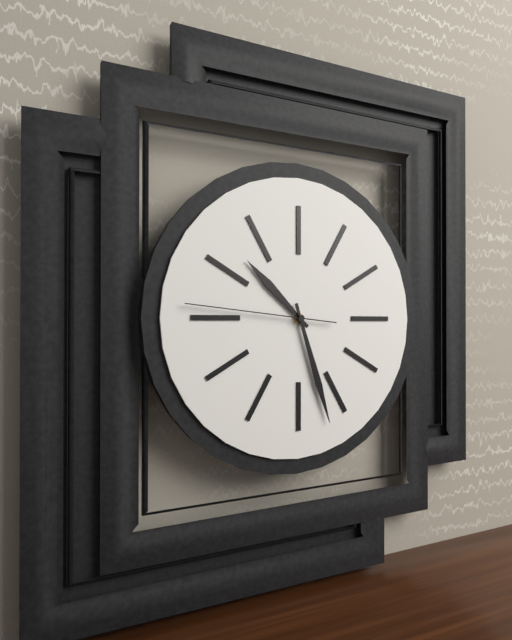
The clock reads {"hour": 10, "minute": 27, "second": 46}
